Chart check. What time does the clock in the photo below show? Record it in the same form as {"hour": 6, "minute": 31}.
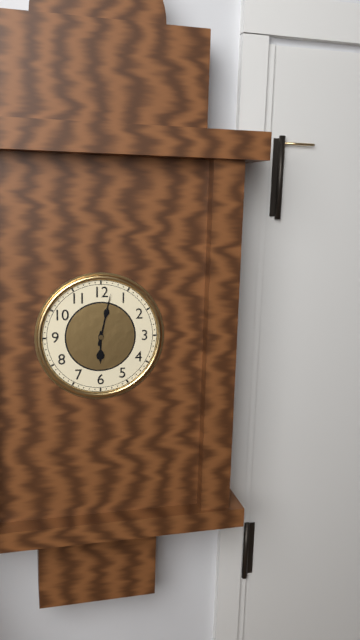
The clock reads {"hour": 6, "minute": 2}
